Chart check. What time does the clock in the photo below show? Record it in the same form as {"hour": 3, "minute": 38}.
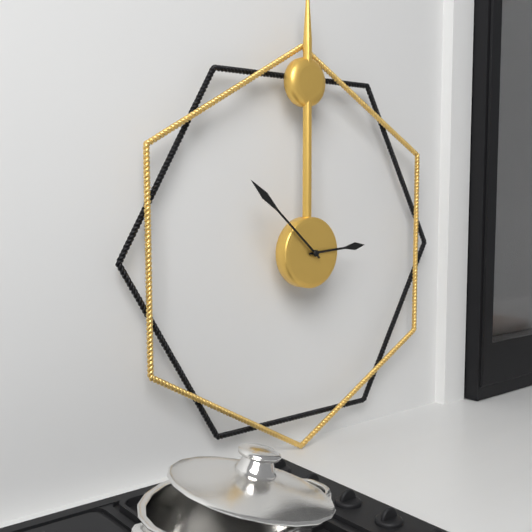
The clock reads {"hour": 2, "minute": 52}
